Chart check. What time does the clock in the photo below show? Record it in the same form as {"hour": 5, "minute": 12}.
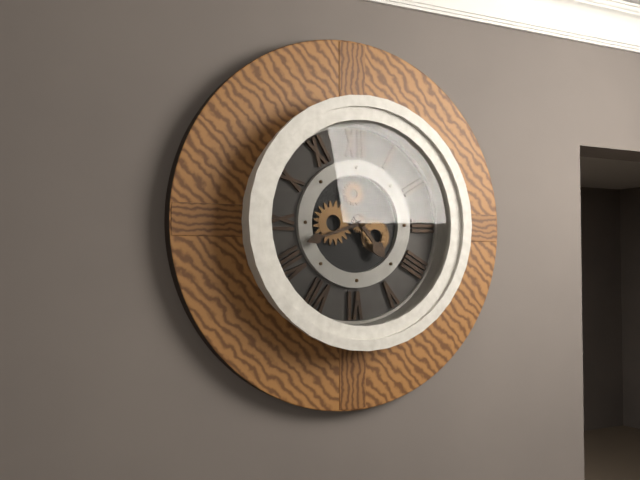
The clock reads {"hour": 4, "minute": 42}
